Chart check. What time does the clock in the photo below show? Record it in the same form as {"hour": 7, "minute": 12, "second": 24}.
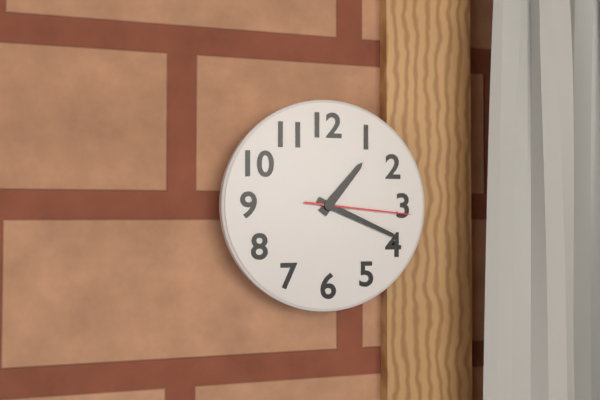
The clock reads {"hour": 1, "minute": 19, "second": 16}
